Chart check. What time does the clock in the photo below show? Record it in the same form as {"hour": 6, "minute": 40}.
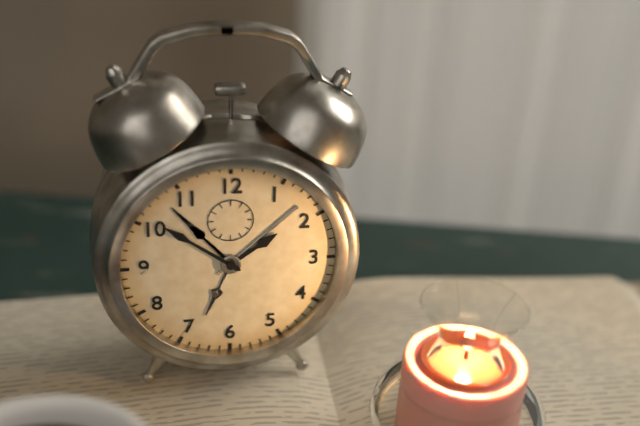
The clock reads {"hour": 1, "minute": 51}
